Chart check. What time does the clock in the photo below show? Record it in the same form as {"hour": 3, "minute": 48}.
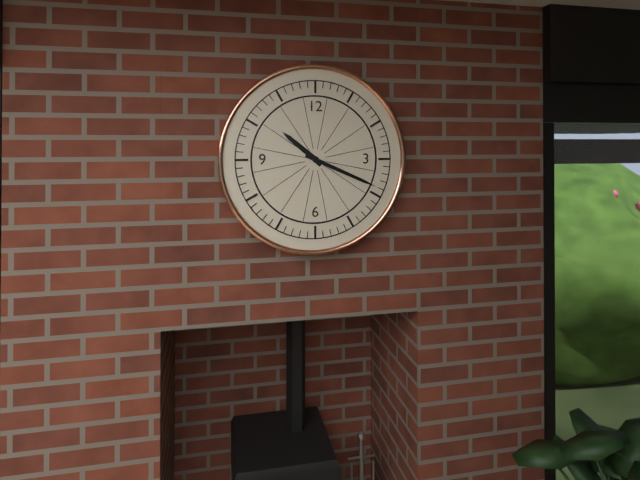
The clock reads {"hour": 10, "minute": 19}
